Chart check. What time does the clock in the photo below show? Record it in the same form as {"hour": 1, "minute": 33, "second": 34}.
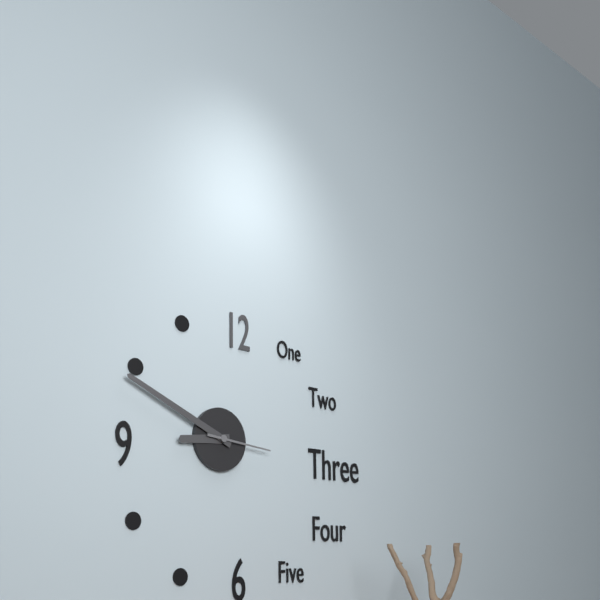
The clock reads {"hour": 8, "minute": 49, "second": 16}
